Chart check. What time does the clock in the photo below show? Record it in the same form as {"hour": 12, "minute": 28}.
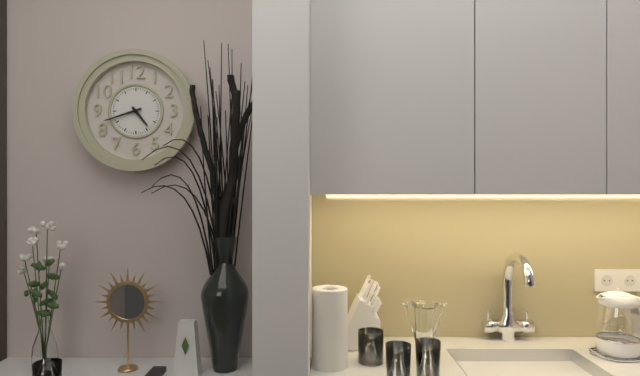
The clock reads {"hour": 4, "minute": 42}
